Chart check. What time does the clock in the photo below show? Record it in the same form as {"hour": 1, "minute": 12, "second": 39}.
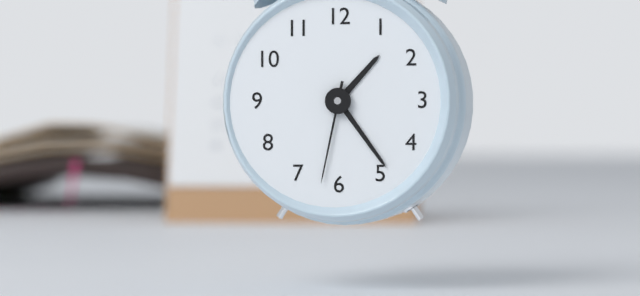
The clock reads {"hour": 1, "minute": 24, "second": 32}
